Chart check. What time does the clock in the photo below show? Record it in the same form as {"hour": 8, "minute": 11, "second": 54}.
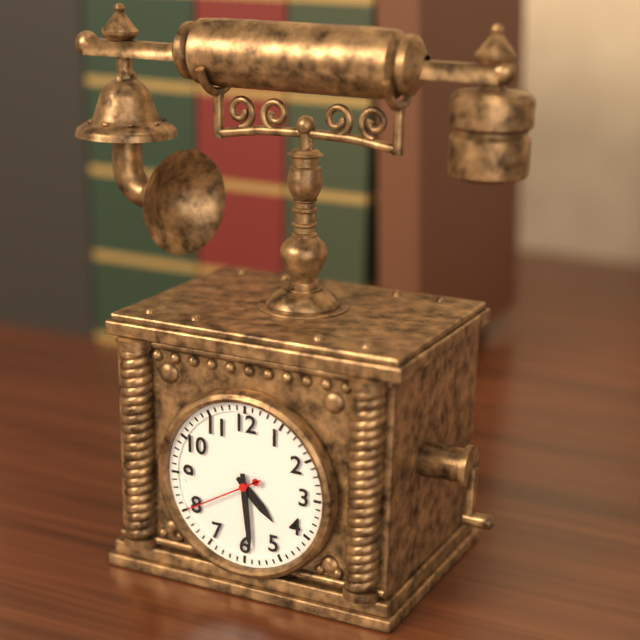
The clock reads {"hour": 4, "minute": 29, "second": 40}
